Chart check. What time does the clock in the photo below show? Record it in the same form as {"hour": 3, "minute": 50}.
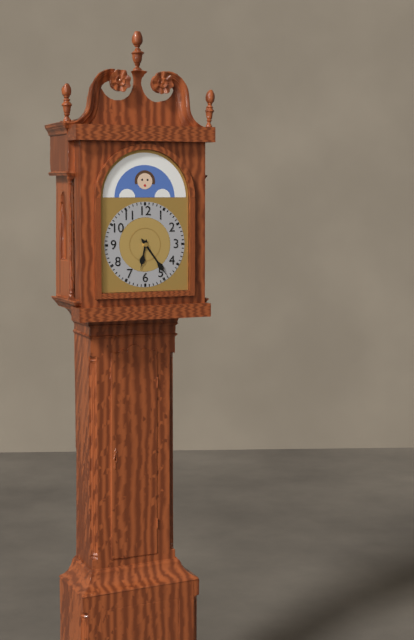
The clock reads {"hour": 6, "minute": 24}
